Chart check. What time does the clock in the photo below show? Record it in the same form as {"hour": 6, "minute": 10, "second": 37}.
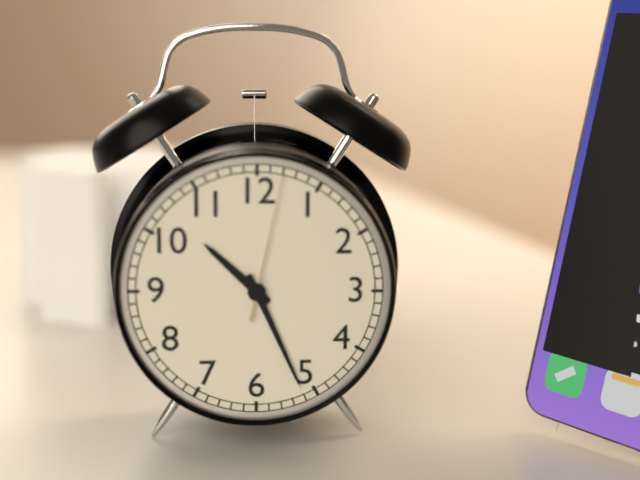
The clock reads {"hour": 10, "minute": 26, "second": 2}
